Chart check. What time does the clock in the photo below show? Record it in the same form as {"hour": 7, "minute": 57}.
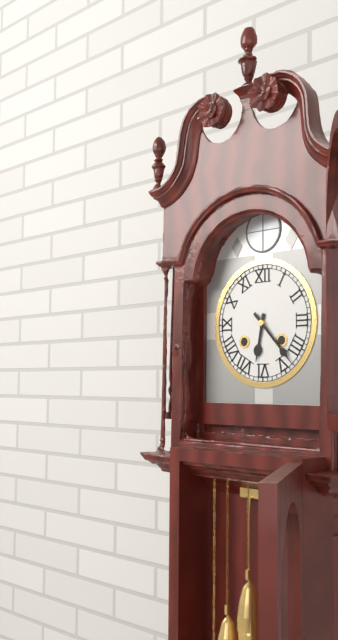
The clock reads {"hour": 6, "minute": 23}
